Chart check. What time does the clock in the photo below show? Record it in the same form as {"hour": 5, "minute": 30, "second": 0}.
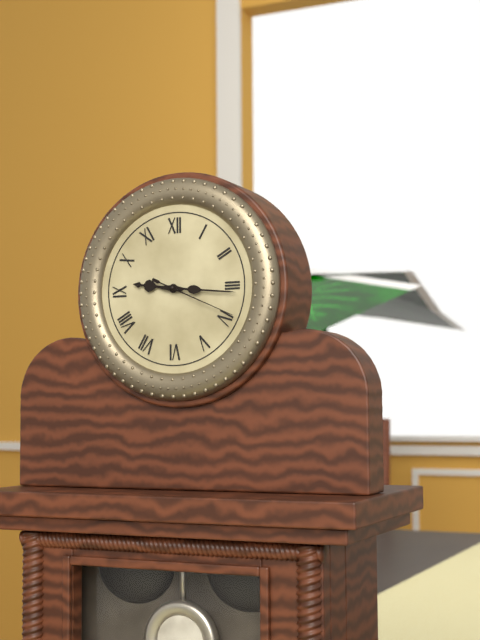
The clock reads {"hour": 9, "minute": 16, "second": 19}
